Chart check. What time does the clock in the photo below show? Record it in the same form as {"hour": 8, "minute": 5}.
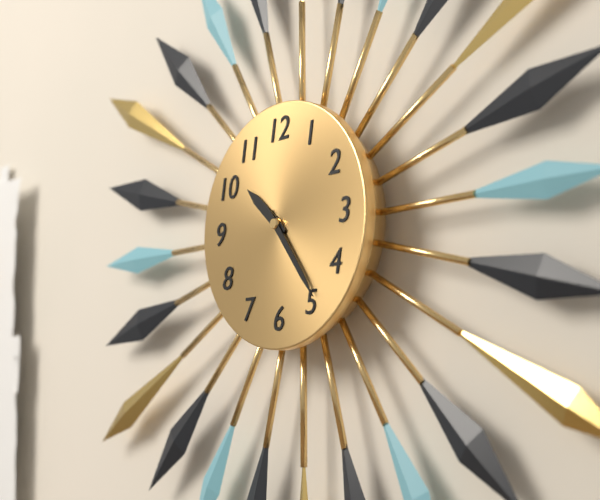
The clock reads {"hour": 10, "minute": 24}
